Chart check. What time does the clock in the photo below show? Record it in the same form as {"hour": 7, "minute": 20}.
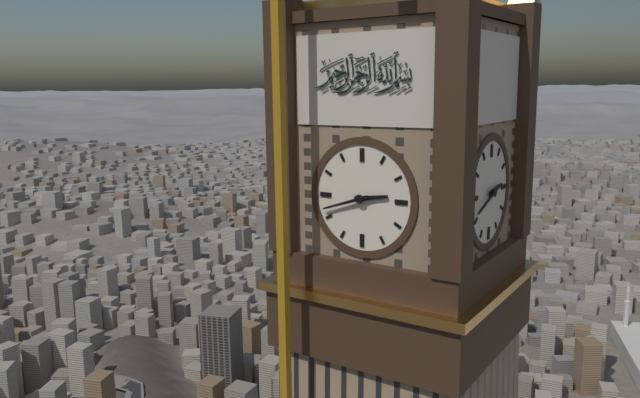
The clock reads {"hour": 2, "minute": 42}
